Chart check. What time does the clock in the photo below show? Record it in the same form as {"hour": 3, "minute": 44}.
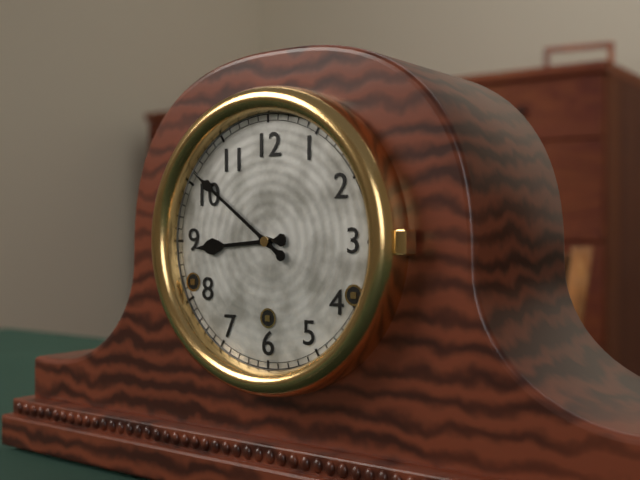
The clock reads {"hour": 8, "minute": 51}
